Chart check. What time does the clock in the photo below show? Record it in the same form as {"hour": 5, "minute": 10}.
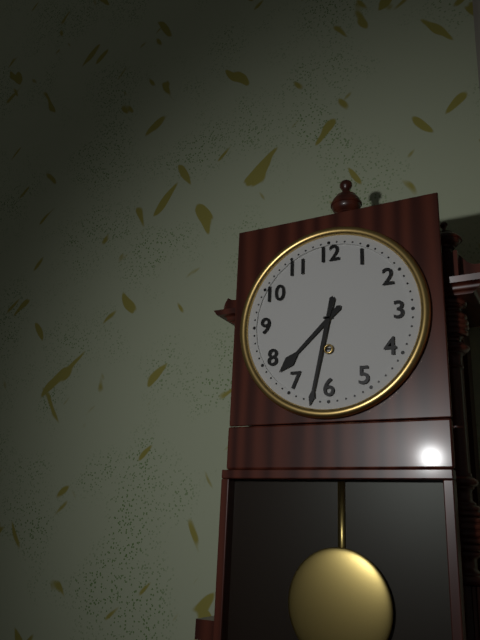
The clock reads {"hour": 7, "minute": 32}
